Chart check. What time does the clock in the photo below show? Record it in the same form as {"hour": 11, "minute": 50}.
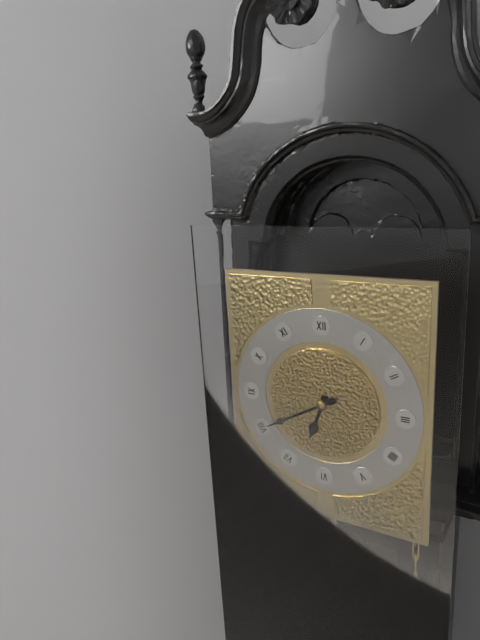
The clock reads {"hour": 6, "minute": 40}
